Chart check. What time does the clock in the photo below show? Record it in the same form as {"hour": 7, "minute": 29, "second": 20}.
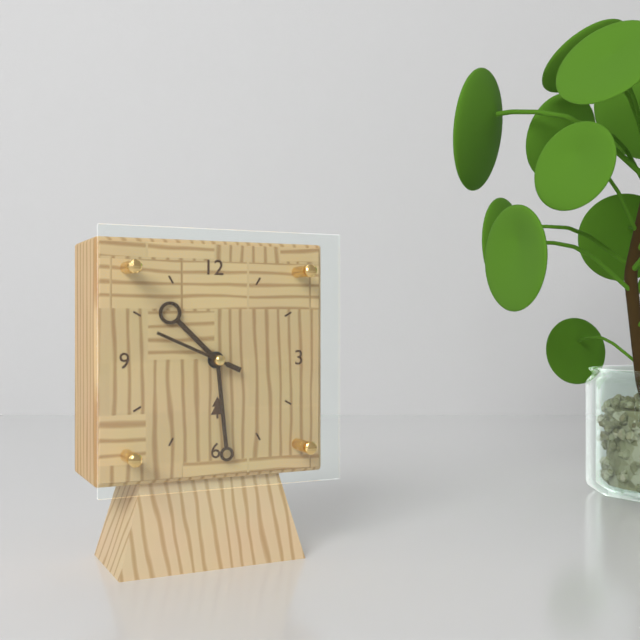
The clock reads {"hour": 10, "minute": 29, "second": 49}
